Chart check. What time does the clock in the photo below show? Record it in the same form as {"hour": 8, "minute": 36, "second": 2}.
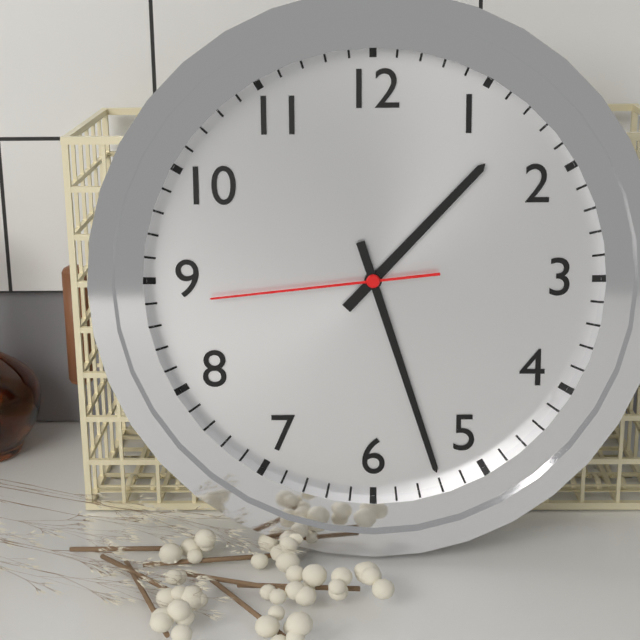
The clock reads {"hour": 1, "minute": 27, "second": 44}
